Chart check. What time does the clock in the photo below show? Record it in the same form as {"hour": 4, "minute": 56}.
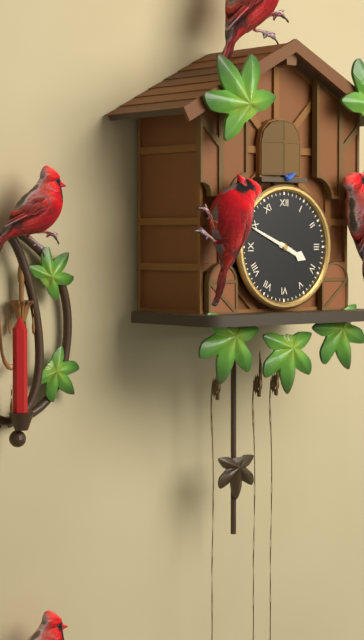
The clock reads {"hour": 3, "minute": 49}
